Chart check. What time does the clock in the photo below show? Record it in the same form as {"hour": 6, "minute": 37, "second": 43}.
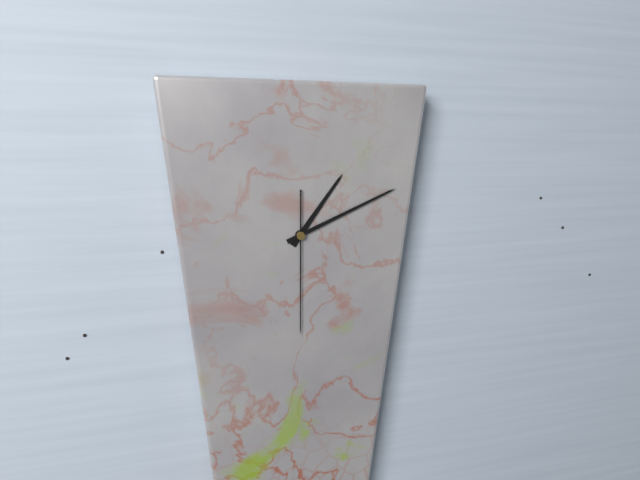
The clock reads {"hour": 1, "minute": 11, "second": 30}
